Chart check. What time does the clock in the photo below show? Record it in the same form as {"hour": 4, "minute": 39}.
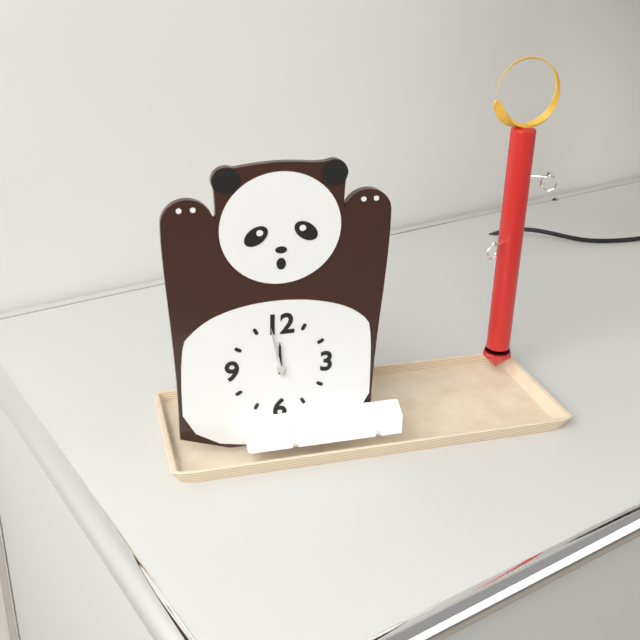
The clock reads {"hour": 11, "minute": 58}
